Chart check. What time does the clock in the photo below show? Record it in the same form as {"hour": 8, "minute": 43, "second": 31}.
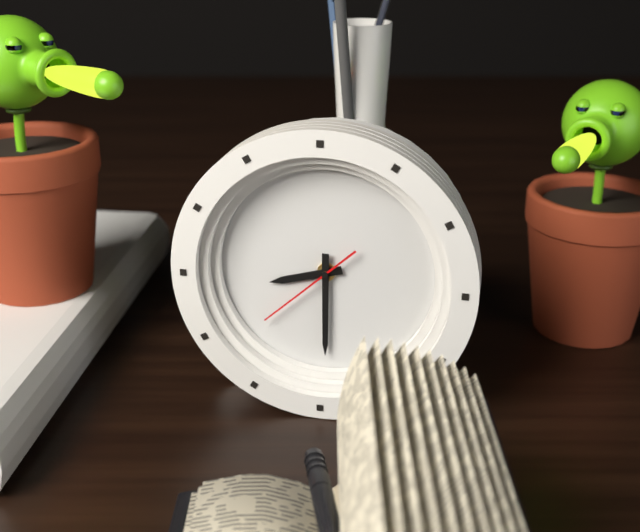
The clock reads {"hour": 8, "minute": 30, "second": 38}
